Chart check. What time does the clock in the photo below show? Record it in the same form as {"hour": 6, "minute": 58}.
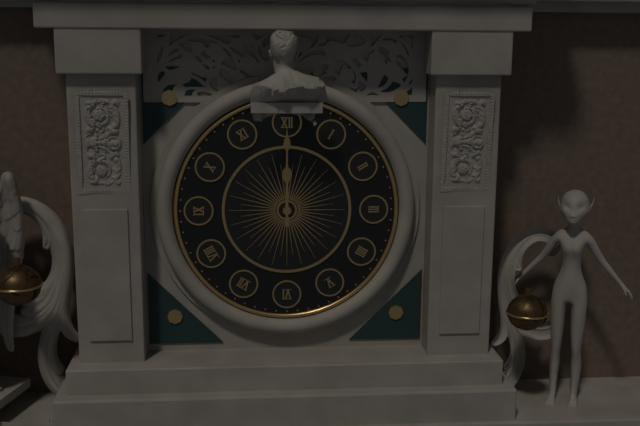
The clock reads {"hour": 12, "minute": 0}
